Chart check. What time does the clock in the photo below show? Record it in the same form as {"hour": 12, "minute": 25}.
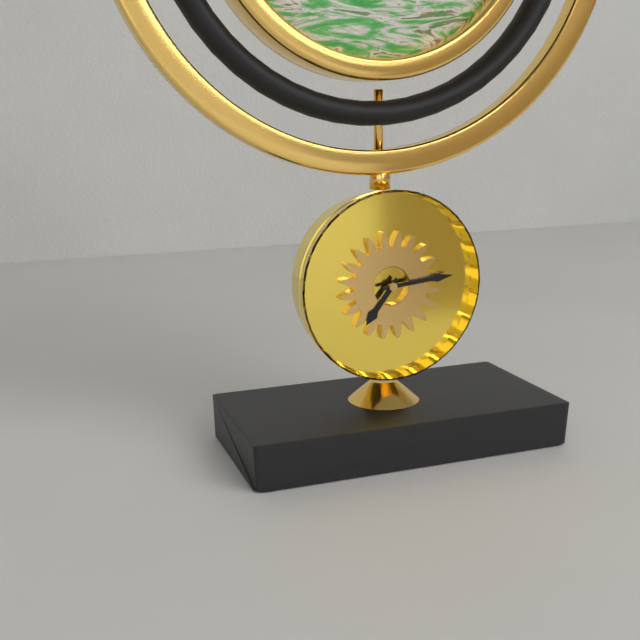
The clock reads {"hour": 7, "minute": 14}
